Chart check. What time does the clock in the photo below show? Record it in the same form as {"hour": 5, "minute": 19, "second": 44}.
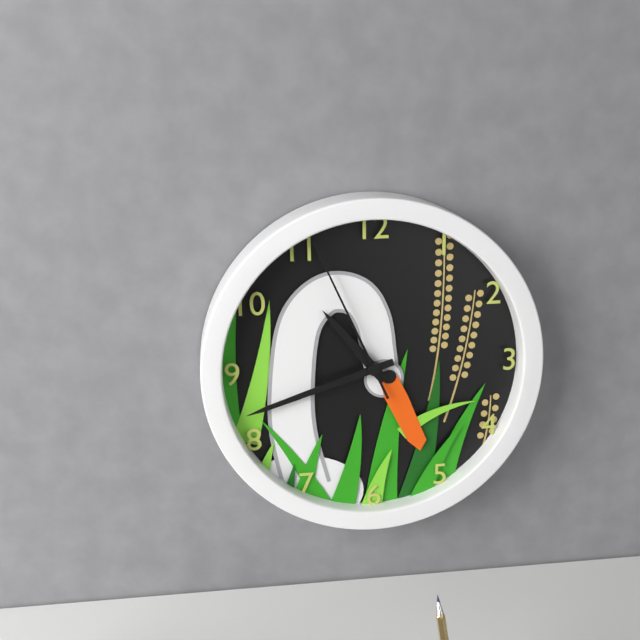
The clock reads {"hour": 10, "minute": 42, "second": 56}
